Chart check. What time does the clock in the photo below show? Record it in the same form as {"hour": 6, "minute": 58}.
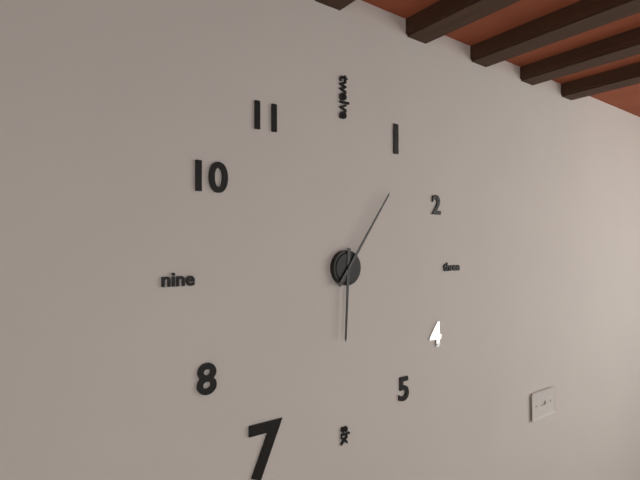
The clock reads {"hour": 6, "minute": 6}
